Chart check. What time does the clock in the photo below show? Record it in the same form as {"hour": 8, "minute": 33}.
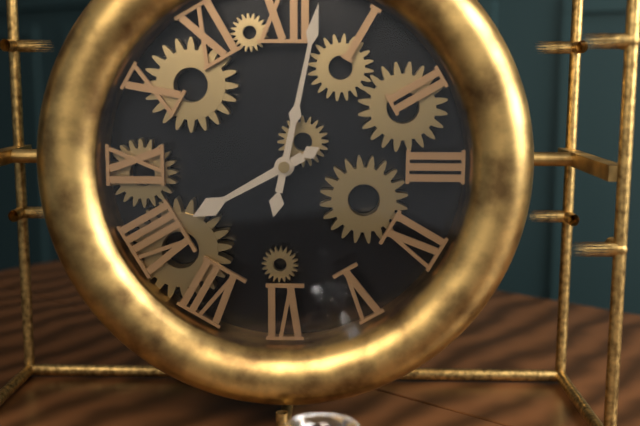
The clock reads {"hour": 8, "minute": 2}
